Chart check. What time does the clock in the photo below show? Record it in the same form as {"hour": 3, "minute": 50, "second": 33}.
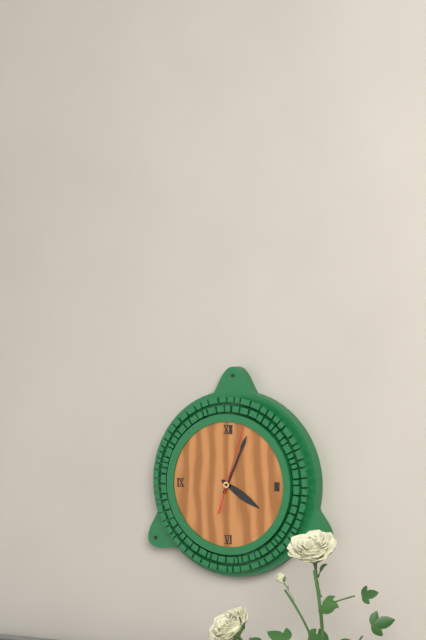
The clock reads {"hour": 4, "minute": 4, "second": 3}
